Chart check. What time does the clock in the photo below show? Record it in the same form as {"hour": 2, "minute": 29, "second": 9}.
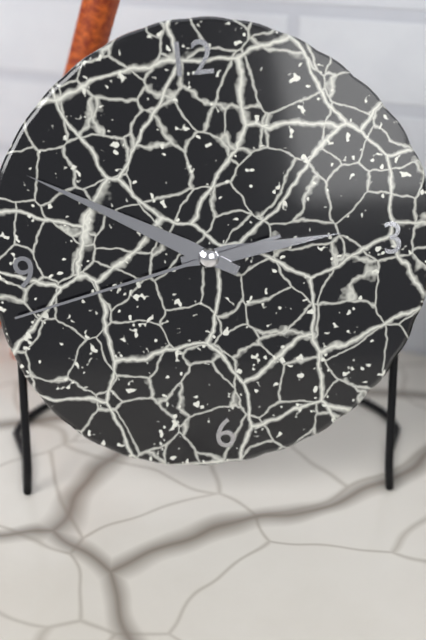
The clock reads {"hour": 2, "minute": 50, "second": 43}
